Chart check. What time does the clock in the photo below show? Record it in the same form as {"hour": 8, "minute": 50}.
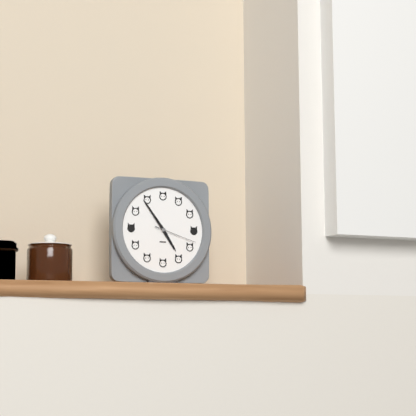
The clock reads {"hour": 4, "minute": 54}
